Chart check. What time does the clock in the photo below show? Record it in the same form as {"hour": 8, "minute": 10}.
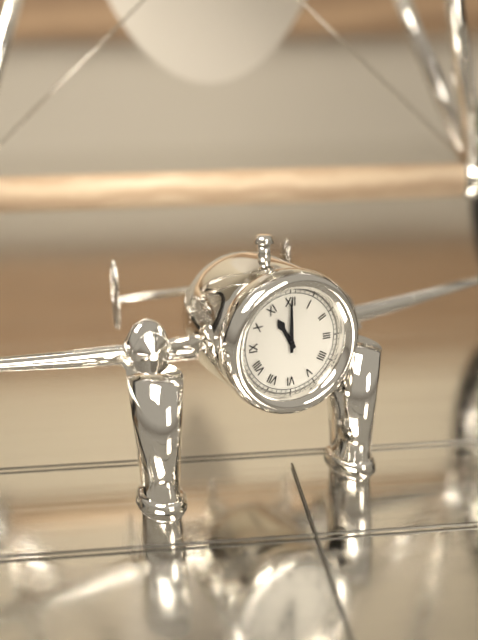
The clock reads {"hour": 11, "minute": 0}
